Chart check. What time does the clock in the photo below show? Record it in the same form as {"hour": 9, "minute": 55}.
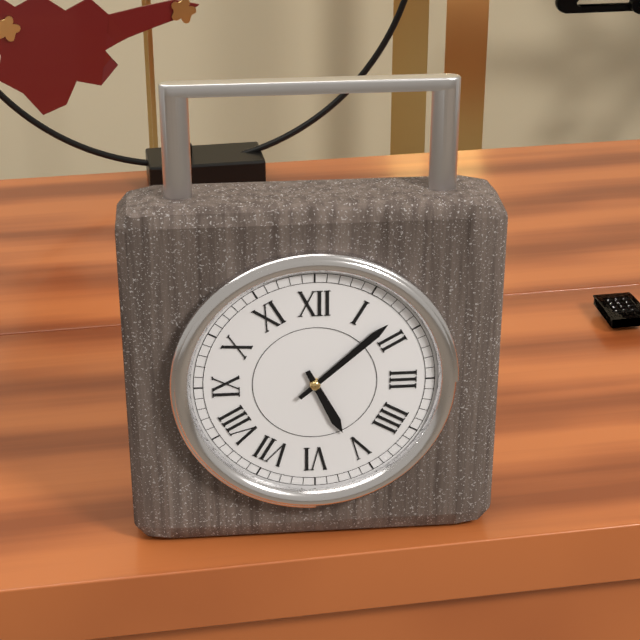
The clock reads {"hour": 5, "minute": 8}
